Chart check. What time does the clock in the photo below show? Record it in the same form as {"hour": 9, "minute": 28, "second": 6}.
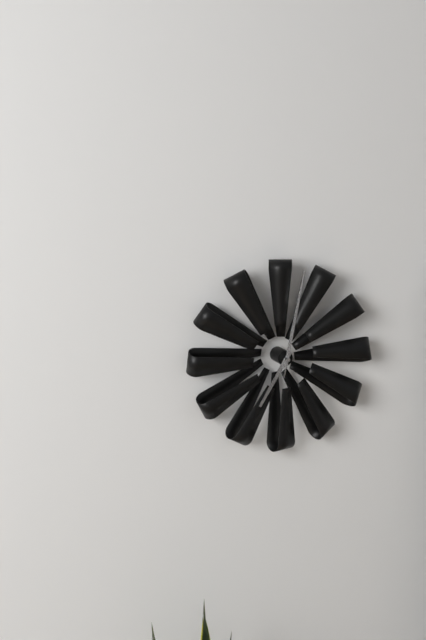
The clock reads {"hour": 7, "minute": 2, "second": 2}
